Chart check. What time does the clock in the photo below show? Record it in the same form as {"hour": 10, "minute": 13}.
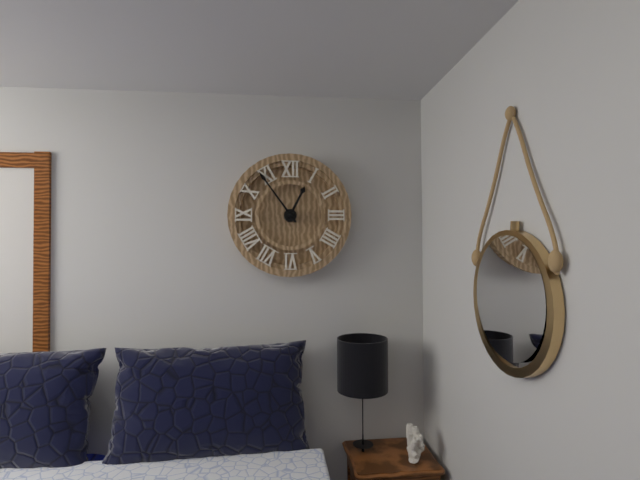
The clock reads {"hour": 12, "minute": 54}
